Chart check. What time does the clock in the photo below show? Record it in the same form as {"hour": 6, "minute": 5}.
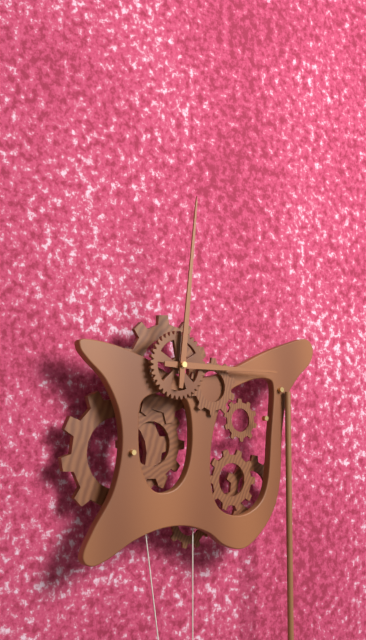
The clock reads {"hour": 3, "minute": 1}
